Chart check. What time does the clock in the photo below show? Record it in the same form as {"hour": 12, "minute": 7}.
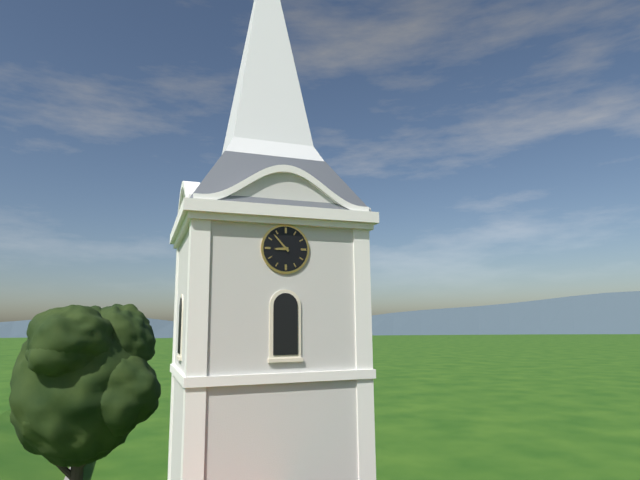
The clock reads {"hour": 8, "minute": 53}
